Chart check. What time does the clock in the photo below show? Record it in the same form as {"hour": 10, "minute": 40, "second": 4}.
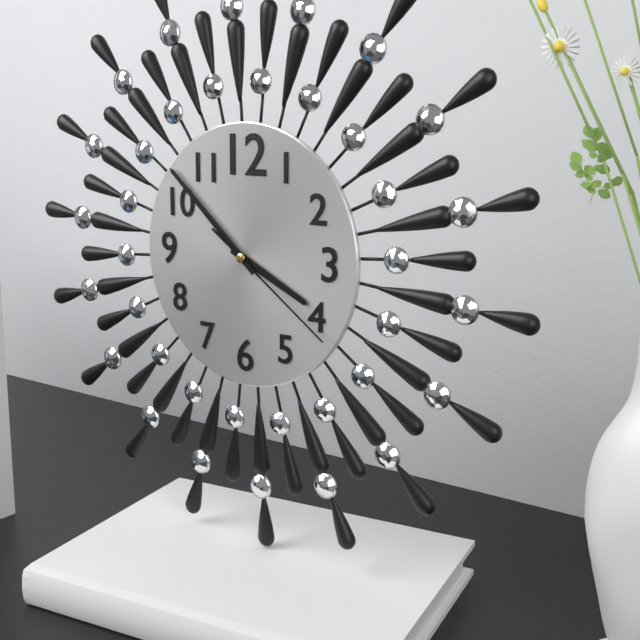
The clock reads {"hour": 3, "minute": 52, "second": 21}
